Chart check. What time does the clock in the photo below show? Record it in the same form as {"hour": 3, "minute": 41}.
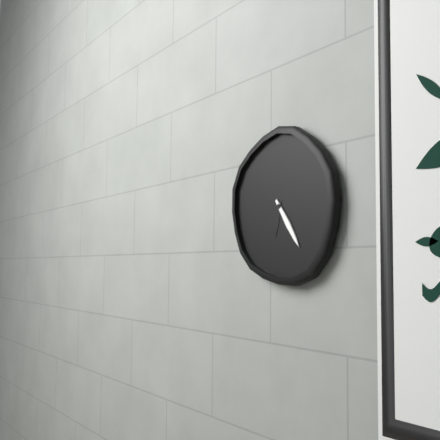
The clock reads {"hour": 6, "minute": 24}
